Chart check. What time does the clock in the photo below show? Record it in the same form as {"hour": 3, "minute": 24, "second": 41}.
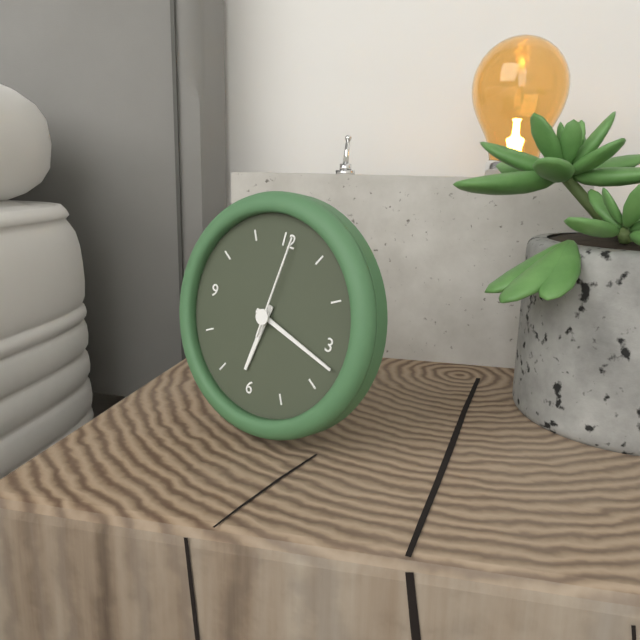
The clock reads {"hour": 6, "minute": 17, "second": 1}
